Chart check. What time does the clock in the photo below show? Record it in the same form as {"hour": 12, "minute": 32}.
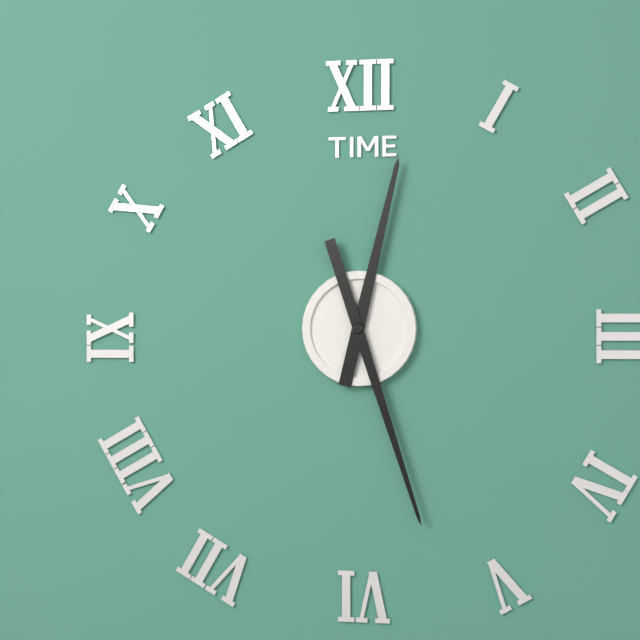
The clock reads {"hour": 12, "minute": 27}
